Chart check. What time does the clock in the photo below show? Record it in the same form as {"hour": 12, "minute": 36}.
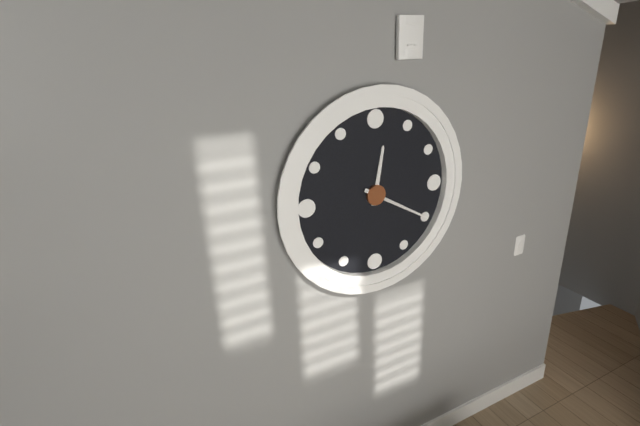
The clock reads {"hour": 12, "minute": 20}
